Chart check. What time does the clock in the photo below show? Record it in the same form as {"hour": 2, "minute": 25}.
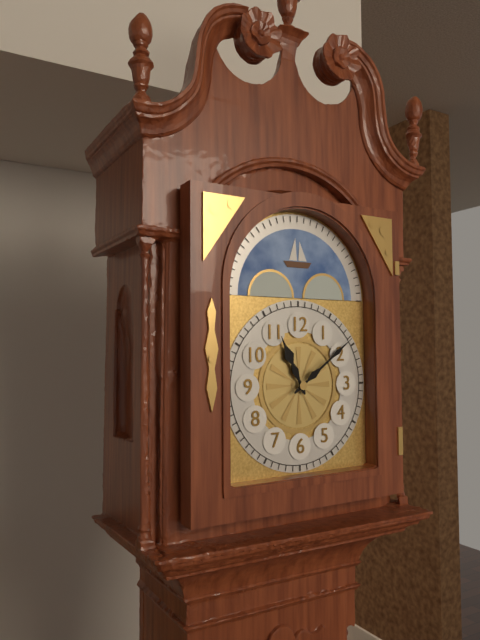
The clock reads {"hour": 11, "minute": 9}
